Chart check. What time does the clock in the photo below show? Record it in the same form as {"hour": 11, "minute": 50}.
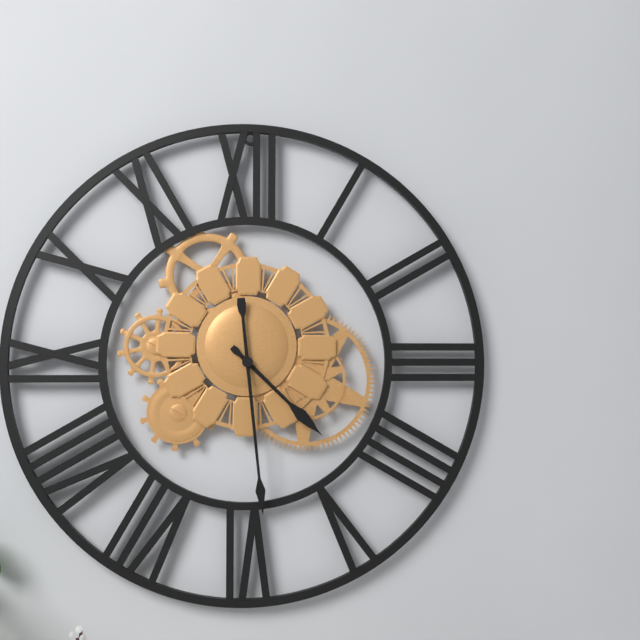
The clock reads {"hour": 4, "minute": 29}
